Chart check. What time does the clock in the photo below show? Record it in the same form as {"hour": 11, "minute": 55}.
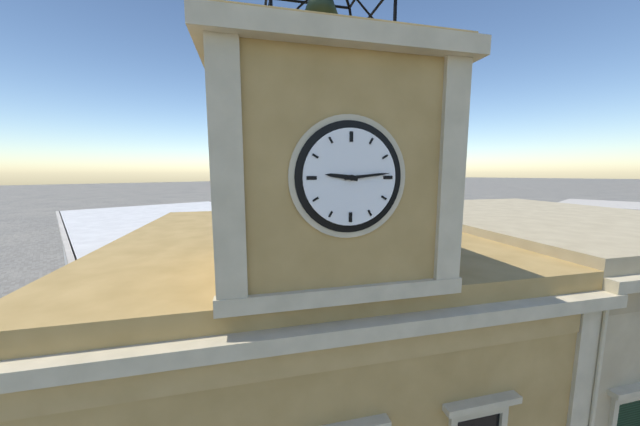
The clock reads {"hour": 9, "minute": 14}
